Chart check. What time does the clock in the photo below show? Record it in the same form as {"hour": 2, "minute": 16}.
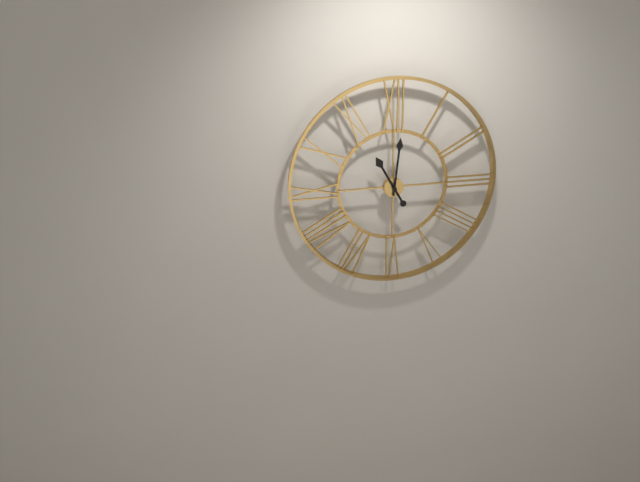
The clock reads {"hour": 11, "minute": 1}
